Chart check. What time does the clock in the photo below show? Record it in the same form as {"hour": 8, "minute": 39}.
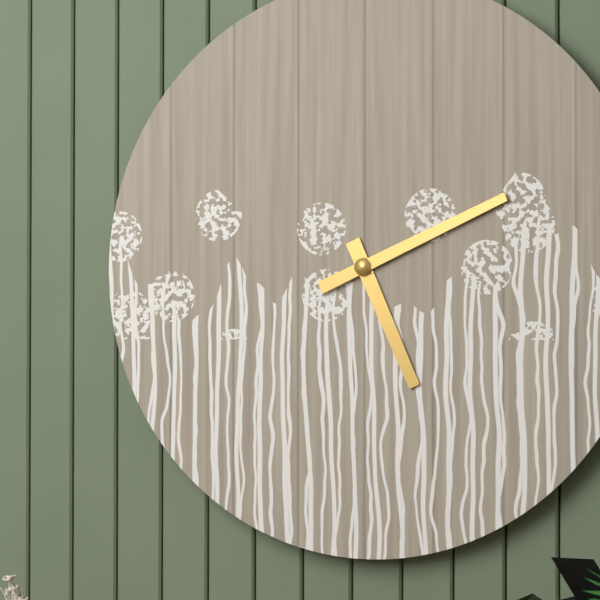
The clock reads {"hour": 5, "minute": 11}
